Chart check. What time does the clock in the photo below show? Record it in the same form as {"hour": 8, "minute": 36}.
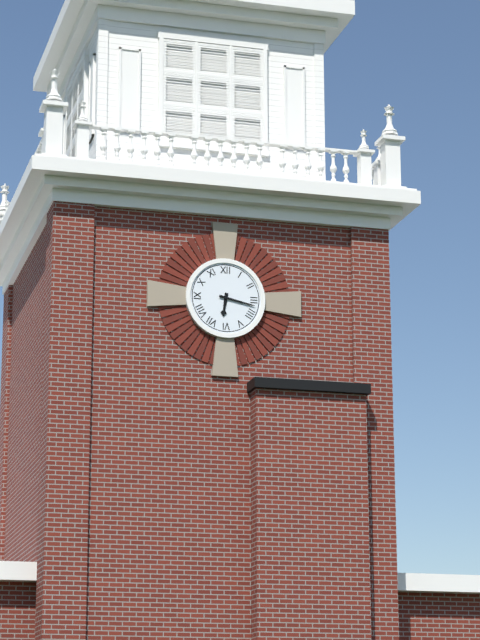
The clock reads {"hour": 6, "minute": 17}
